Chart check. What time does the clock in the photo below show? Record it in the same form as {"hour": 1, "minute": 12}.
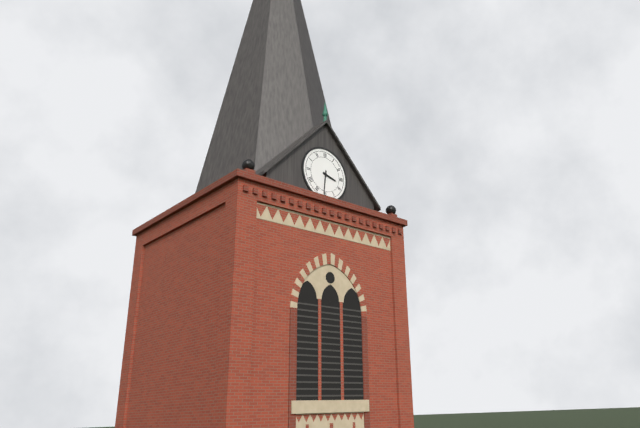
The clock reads {"hour": 3, "minute": 31}
